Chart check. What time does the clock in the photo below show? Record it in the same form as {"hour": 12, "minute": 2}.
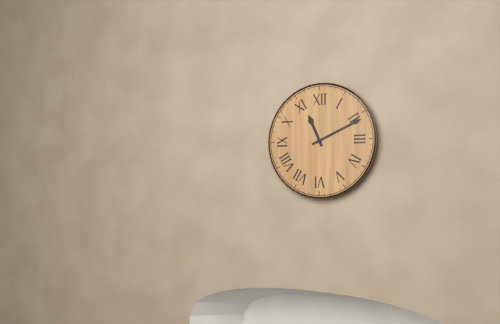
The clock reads {"hour": 11, "minute": 11}
